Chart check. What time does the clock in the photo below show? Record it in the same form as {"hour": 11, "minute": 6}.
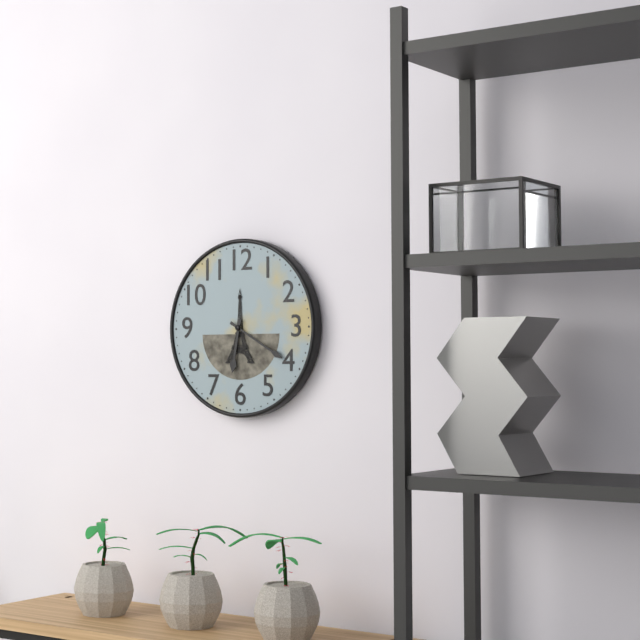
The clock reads {"hour": 6, "minute": 20}
